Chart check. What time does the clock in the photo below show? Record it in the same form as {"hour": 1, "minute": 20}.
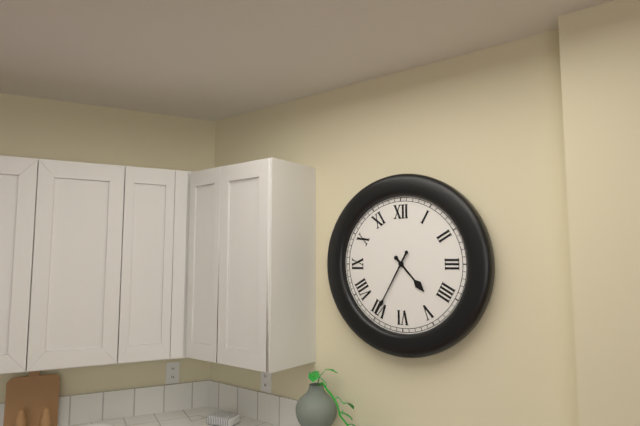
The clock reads {"hour": 4, "minute": 35}
